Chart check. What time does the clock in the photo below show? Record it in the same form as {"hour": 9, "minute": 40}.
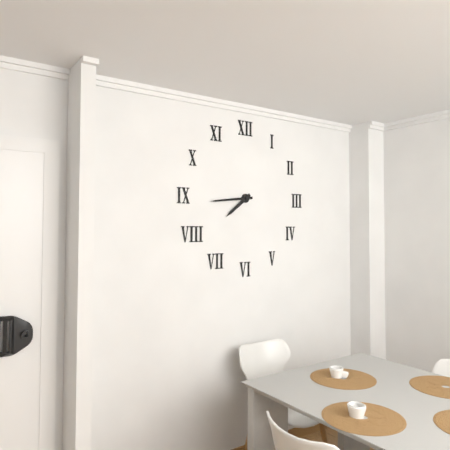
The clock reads {"hour": 7, "minute": 44}
